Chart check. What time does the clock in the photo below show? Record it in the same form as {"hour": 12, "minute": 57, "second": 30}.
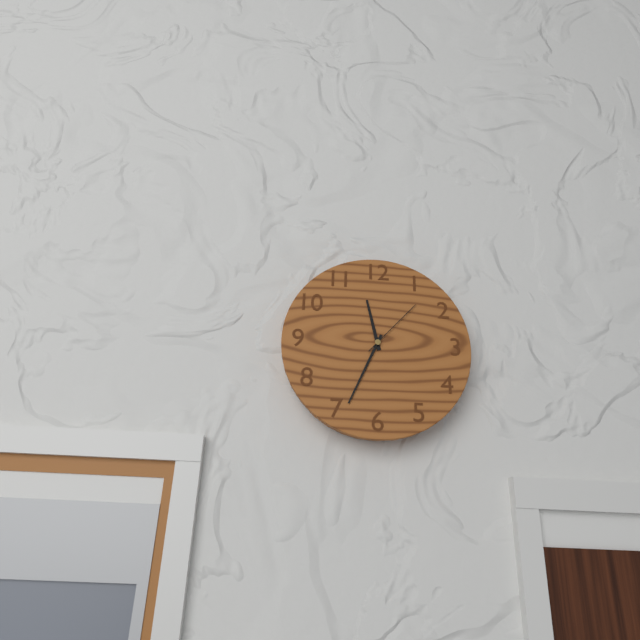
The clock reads {"hour": 11, "minute": 34, "second": 7}
